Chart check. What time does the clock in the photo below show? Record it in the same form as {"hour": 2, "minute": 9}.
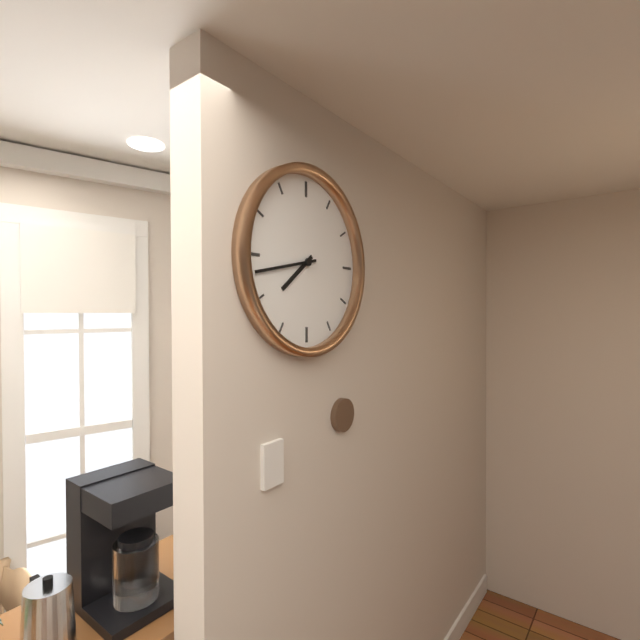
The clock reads {"hour": 7, "minute": 43}
